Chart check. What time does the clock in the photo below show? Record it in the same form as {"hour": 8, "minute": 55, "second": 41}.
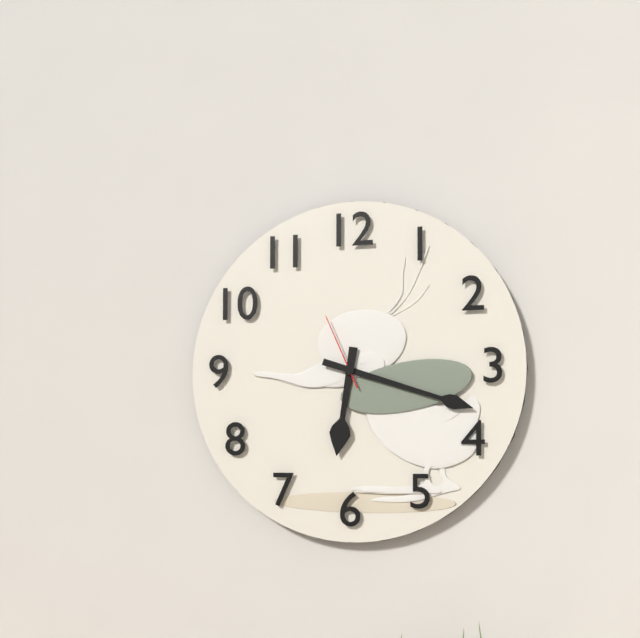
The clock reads {"hour": 6, "minute": 18, "second": 56}
